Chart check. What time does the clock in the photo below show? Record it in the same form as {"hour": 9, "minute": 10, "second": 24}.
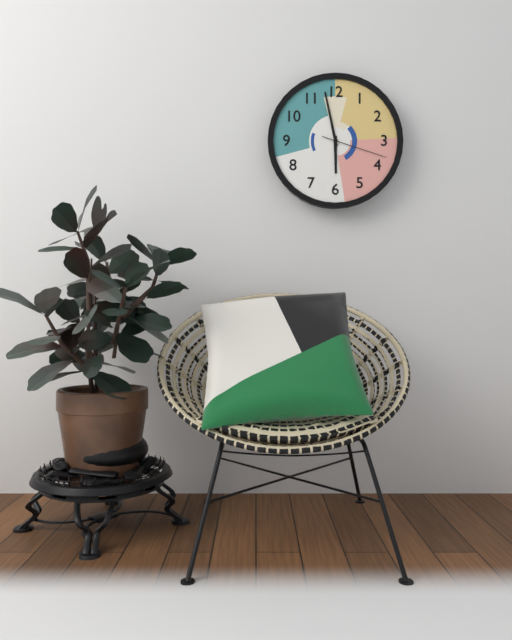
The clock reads {"hour": 5, "minute": 58, "second": 18}
